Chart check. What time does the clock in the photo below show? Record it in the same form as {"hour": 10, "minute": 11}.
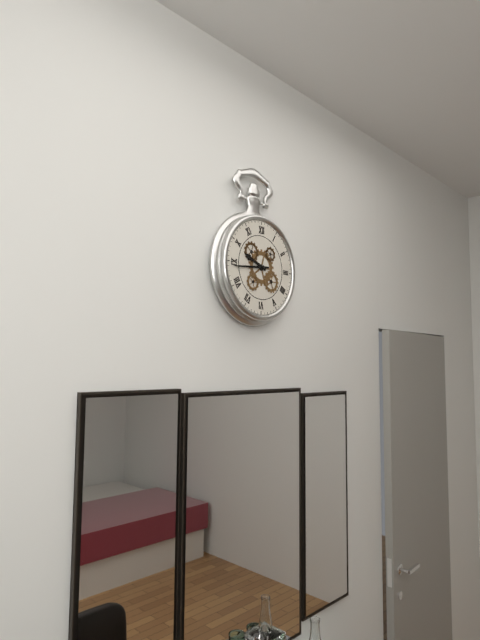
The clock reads {"hour": 9, "minute": 44}
